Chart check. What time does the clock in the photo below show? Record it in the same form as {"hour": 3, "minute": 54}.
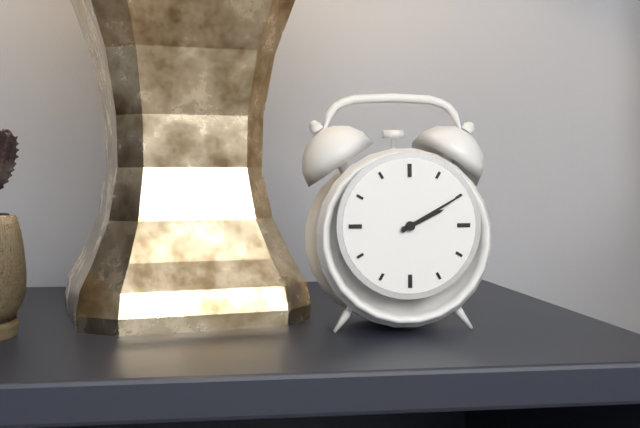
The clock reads {"hour": 2, "minute": 10}
